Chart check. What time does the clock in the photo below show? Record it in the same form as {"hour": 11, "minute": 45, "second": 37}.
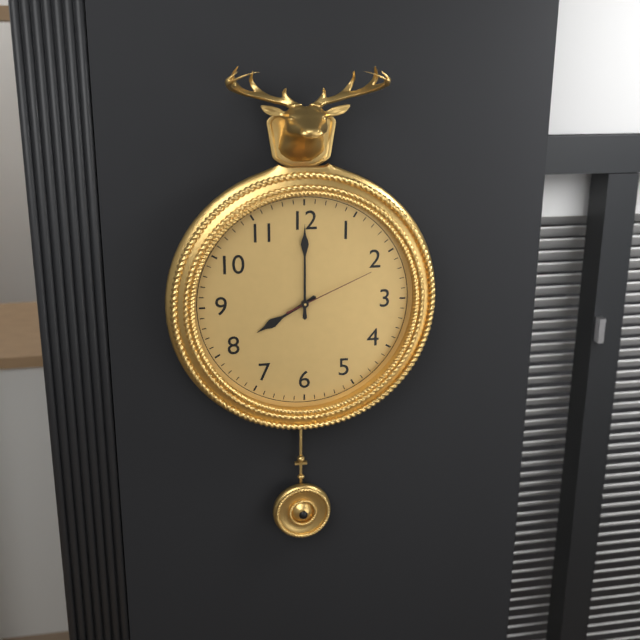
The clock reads {"hour": 8, "minute": 0, "second": 11}
